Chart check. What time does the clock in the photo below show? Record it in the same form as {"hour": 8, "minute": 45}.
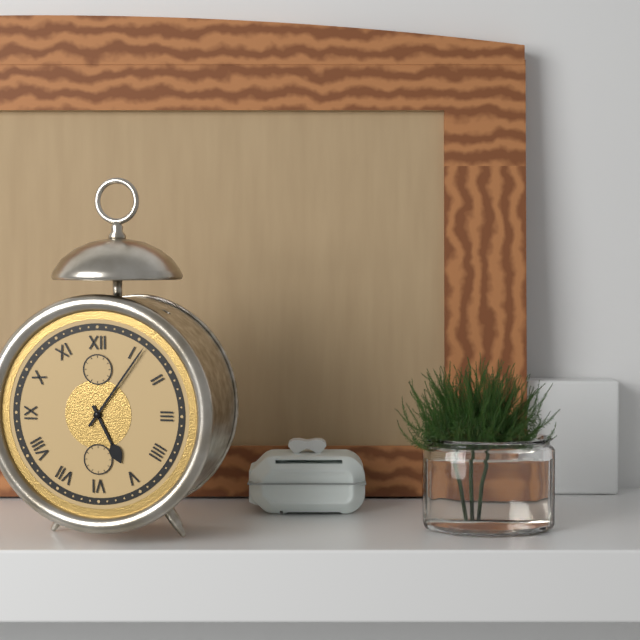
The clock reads {"hour": 5, "minute": 6}
